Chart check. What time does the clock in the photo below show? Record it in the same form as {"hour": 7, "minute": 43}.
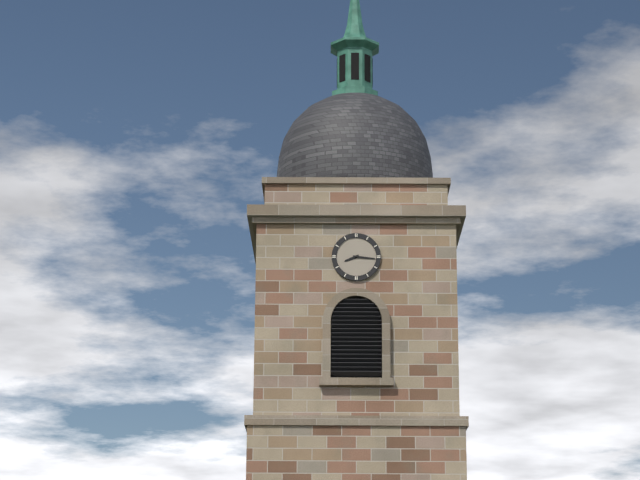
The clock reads {"hour": 8, "minute": 16}
